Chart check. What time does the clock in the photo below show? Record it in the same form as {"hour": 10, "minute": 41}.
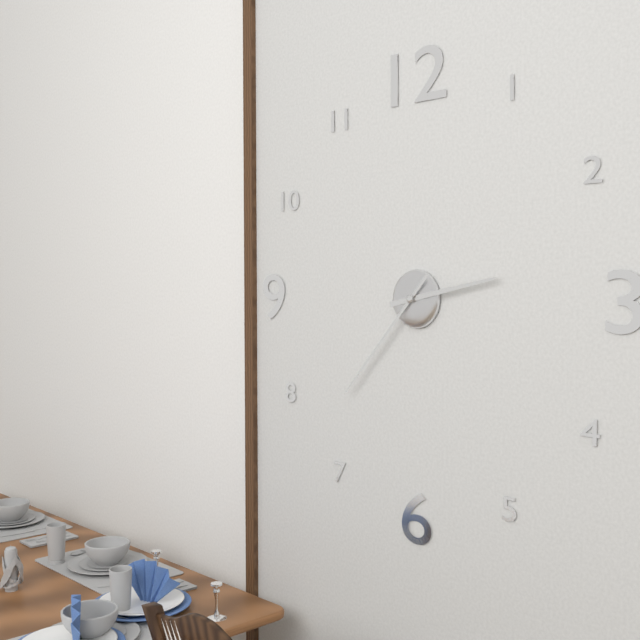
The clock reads {"hour": 2, "minute": 37}
